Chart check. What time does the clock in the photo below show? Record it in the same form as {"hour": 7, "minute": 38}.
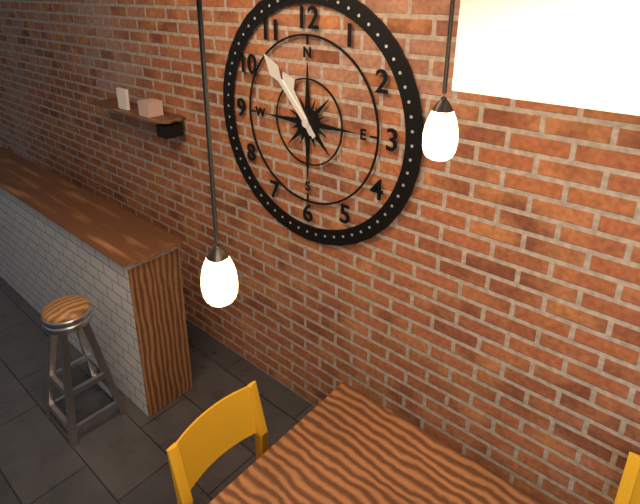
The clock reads {"hour": 10, "minute": 53}
